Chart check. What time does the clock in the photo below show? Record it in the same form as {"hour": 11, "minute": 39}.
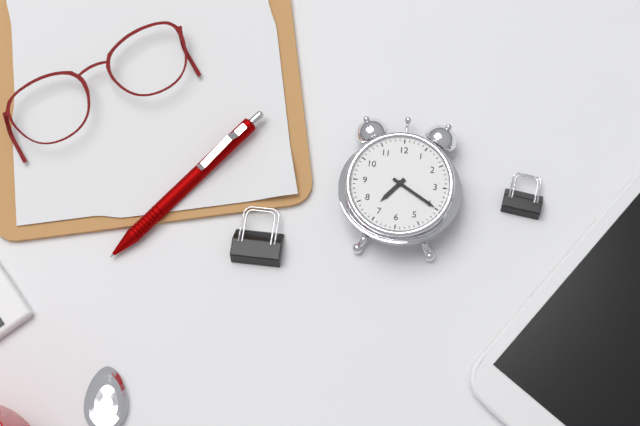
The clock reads {"hour": 7, "minute": 20}
